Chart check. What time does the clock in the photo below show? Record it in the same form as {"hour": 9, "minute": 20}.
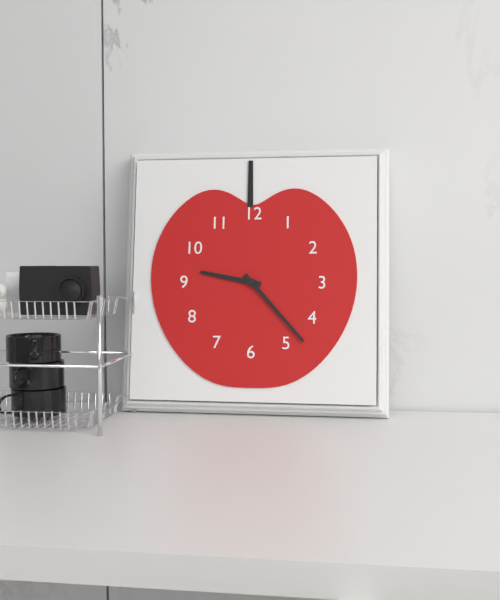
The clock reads {"hour": 9, "minute": 23}
